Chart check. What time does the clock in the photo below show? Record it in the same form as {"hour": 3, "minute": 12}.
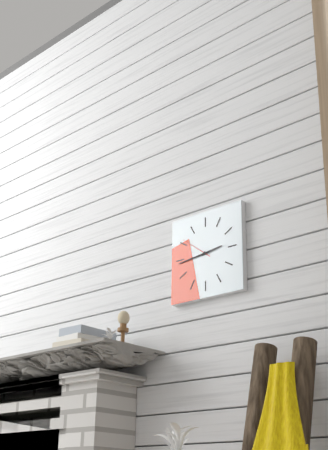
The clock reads {"hour": 2, "minute": 44}
